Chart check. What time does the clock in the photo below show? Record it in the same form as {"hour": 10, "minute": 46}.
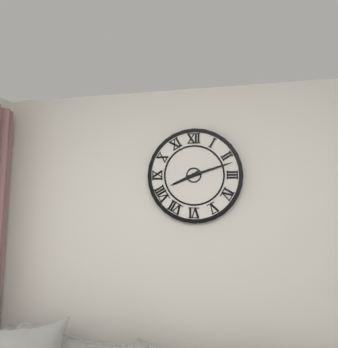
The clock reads {"hour": 8, "minute": 12}
